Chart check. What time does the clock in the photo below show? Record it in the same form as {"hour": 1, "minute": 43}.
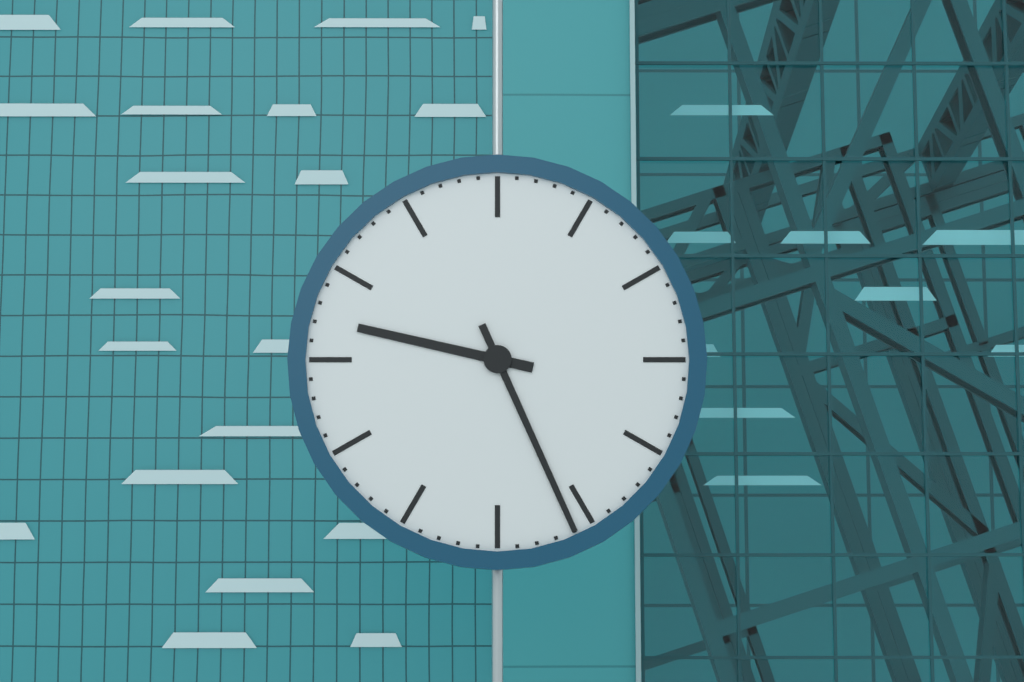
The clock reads {"hour": 9, "minute": 26}
